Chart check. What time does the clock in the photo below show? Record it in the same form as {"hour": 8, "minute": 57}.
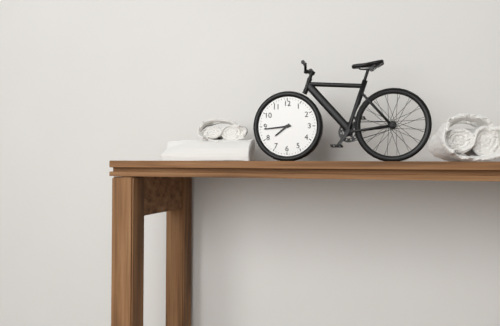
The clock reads {"hour": 7, "minute": 44}
